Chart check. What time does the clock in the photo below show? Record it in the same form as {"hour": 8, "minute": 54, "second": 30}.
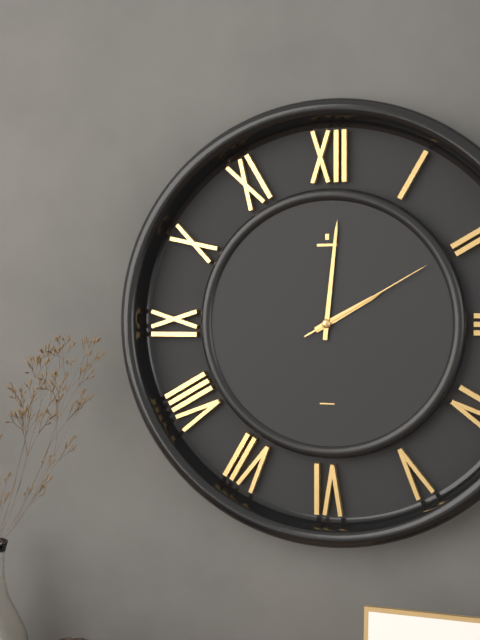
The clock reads {"hour": 2, "minute": 1, "second": 10}
